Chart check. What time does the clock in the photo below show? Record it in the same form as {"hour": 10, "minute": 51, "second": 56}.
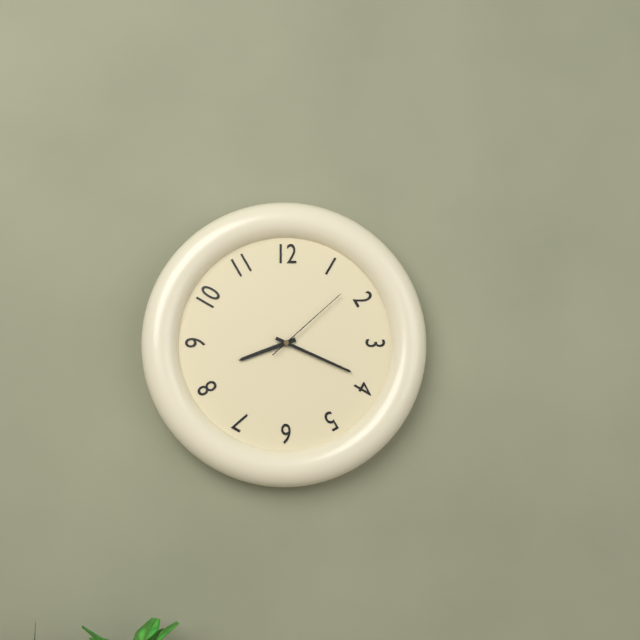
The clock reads {"hour": 8, "minute": 19, "second": 8}
